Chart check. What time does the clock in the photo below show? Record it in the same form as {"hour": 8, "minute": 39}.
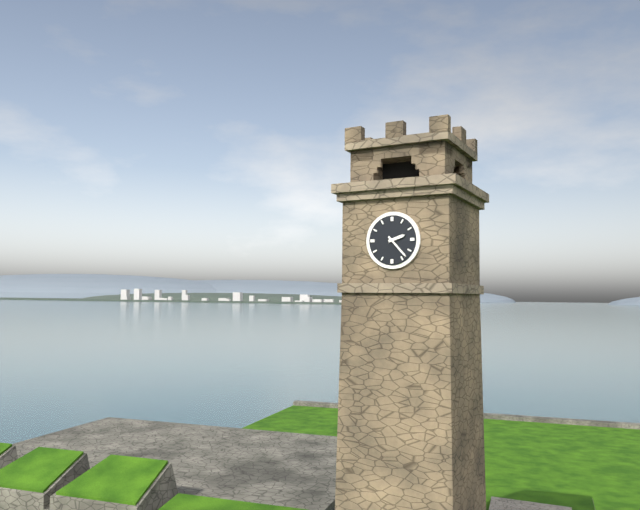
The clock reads {"hour": 2, "minute": 23}
